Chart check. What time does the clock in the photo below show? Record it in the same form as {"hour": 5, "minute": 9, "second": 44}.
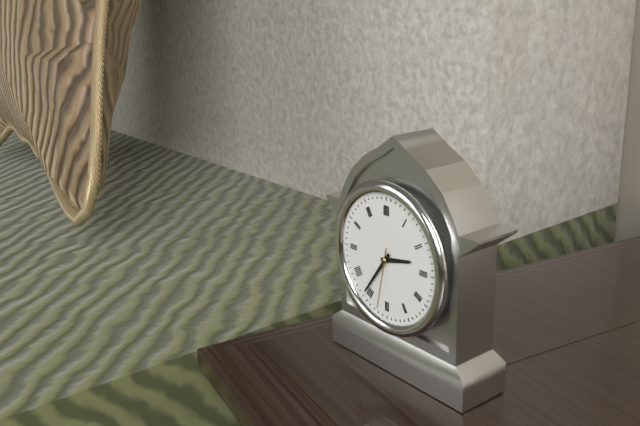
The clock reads {"hour": 2, "minute": 36, "second": 32}
